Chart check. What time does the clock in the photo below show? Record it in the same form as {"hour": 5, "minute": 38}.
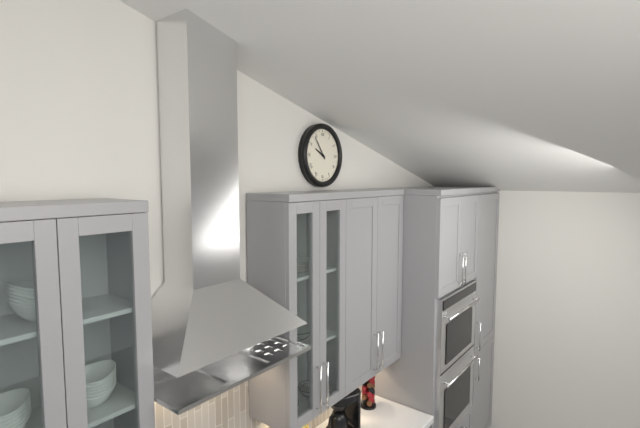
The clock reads {"hour": 9, "minute": 54}
